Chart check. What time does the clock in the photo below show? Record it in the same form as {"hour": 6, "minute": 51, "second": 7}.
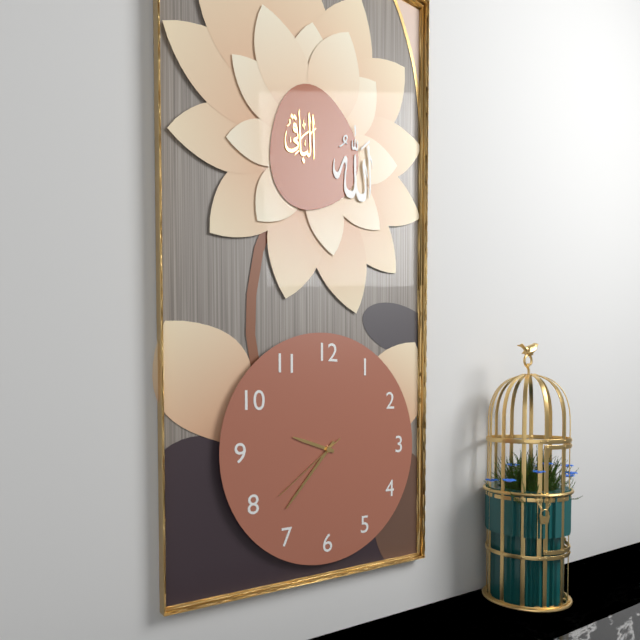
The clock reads {"hour": 9, "minute": 37, "second": 39}
